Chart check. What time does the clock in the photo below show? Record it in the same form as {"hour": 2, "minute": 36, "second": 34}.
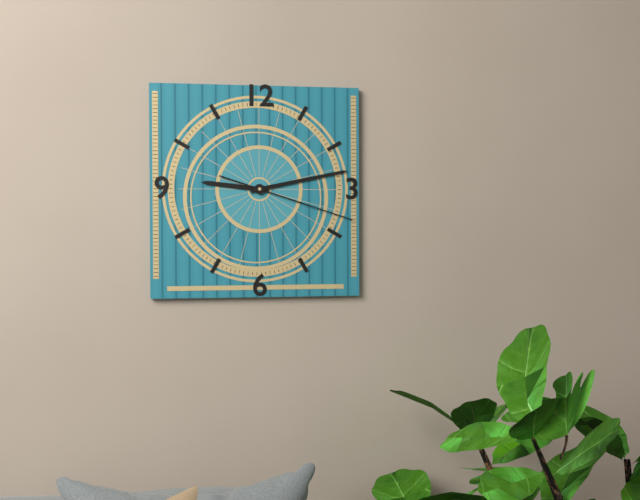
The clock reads {"hour": 9, "minute": 13, "second": 18}
